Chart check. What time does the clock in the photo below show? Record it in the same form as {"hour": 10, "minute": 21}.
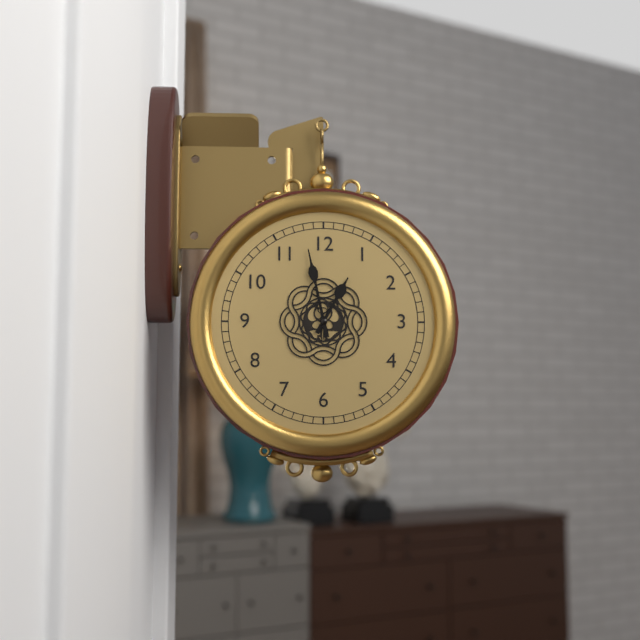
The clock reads {"hour": 12, "minute": 58}
